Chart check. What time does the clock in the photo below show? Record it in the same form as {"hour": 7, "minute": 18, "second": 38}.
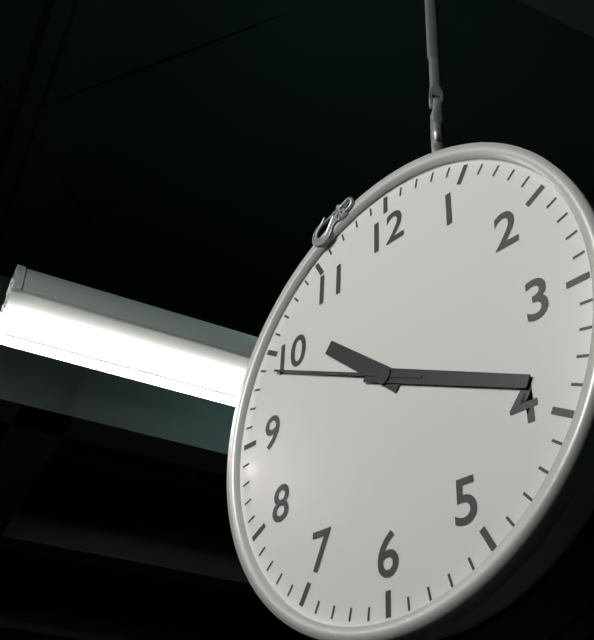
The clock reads {"hour": 10, "minute": 19, "second": 49}
